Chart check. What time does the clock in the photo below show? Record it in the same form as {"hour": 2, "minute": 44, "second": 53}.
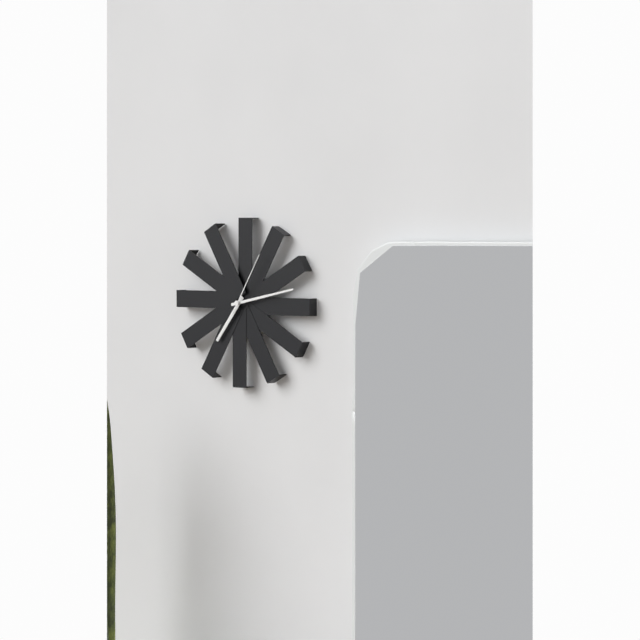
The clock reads {"hour": 7, "minute": 13, "second": 5}
